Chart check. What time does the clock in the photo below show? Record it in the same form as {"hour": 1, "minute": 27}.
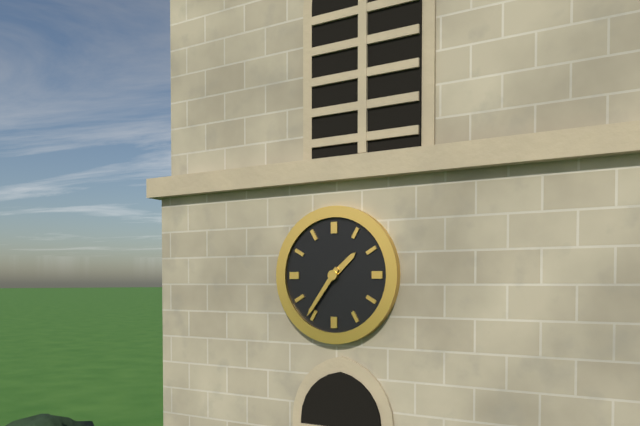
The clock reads {"hour": 1, "minute": 36}
